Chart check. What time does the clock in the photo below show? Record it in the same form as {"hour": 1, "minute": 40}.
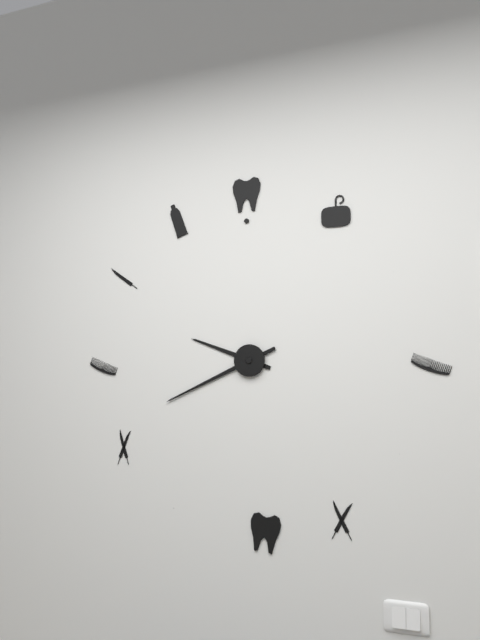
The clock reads {"hour": 9, "minute": 41}
